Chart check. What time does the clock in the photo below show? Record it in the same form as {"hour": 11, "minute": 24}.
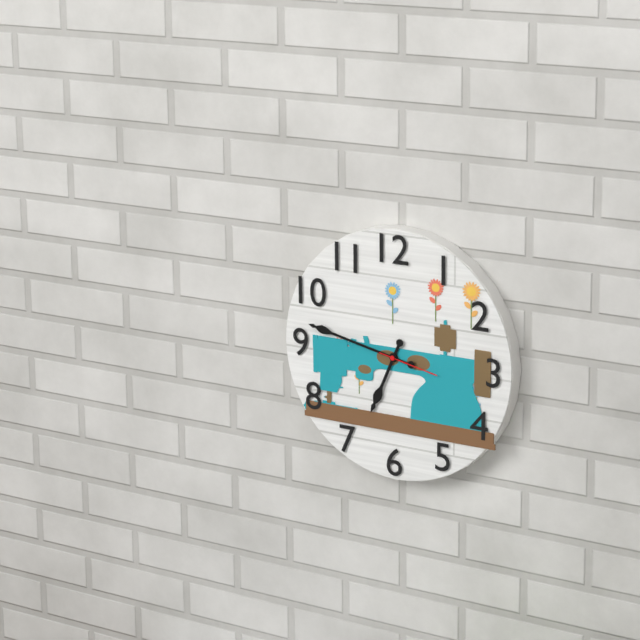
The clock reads {"hour": 6, "minute": 47}
